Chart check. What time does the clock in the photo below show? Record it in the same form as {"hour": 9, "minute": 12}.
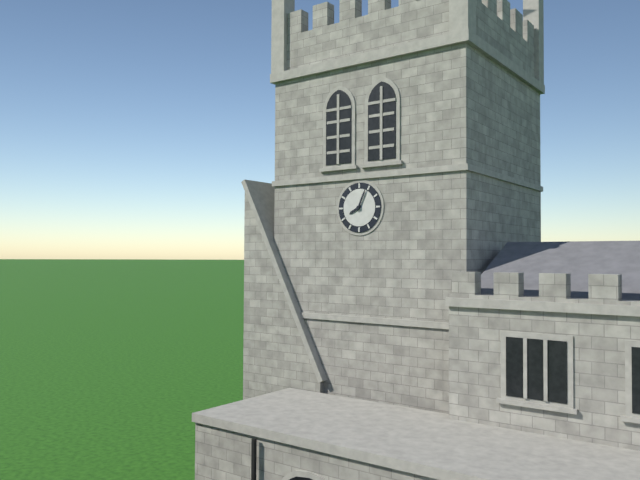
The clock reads {"hour": 8, "minute": 4}
